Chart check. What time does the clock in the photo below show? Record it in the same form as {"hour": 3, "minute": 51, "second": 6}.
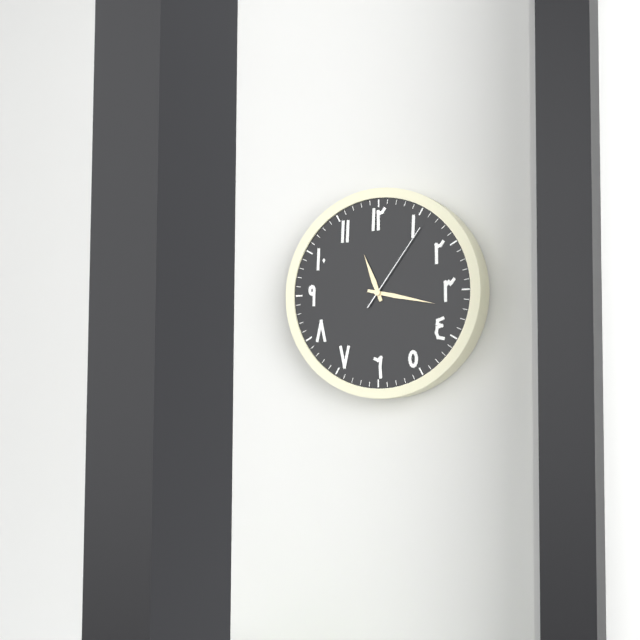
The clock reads {"hour": 11, "minute": 17, "second": 6}
